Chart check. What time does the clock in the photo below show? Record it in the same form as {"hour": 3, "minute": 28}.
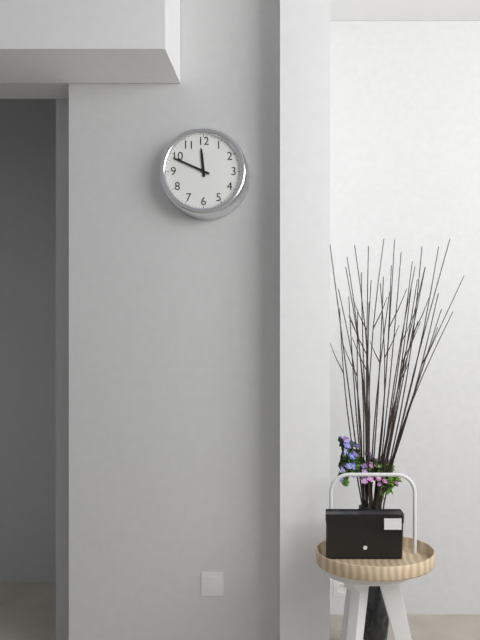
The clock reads {"hour": 11, "minute": 49}
